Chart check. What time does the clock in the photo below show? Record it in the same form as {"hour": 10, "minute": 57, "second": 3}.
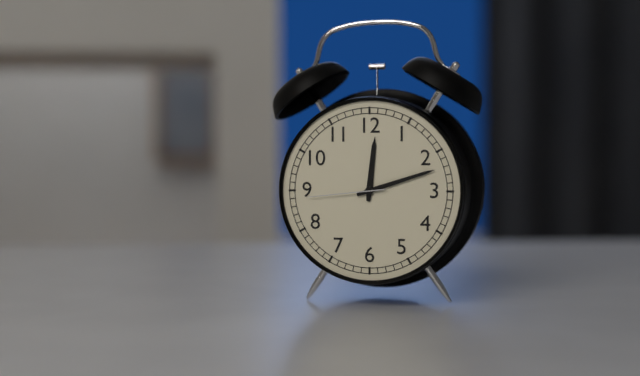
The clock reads {"hour": 12, "minute": 12, "second": 44}
